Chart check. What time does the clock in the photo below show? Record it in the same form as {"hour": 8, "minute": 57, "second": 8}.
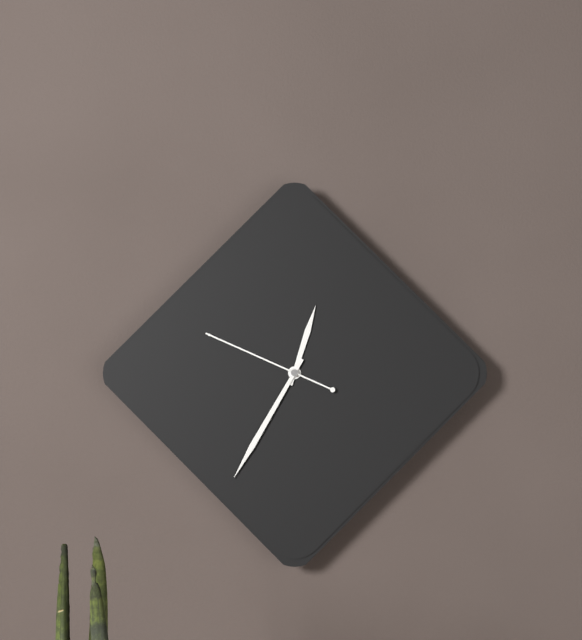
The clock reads {"hour": 12, "minute": 35, "second": 49}
